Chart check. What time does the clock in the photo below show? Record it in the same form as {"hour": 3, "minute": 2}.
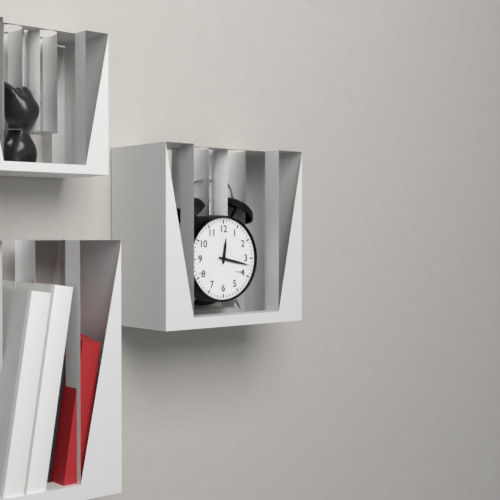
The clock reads {"hour": 12, "minute": 17}
